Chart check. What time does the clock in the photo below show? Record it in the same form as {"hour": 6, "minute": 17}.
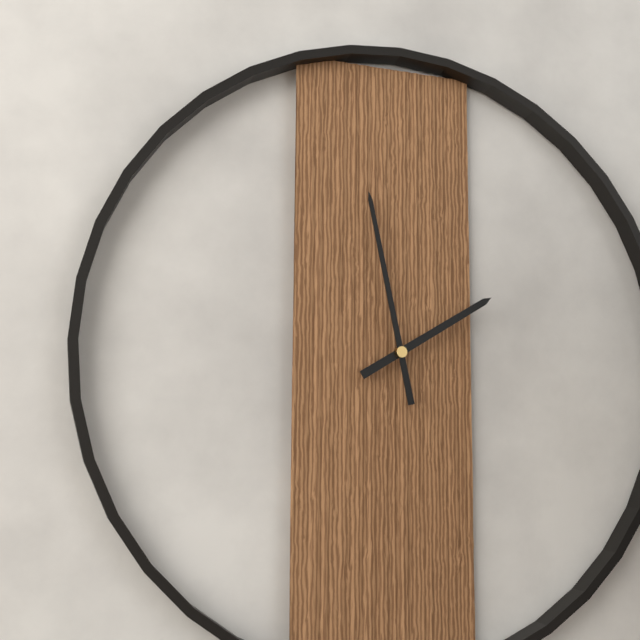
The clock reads {"hour": 1, "minute": 58}
